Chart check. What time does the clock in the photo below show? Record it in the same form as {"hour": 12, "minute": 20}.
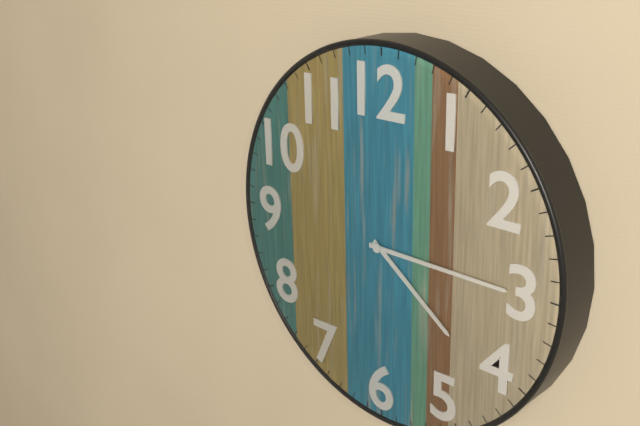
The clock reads {"hour": 4, "minute": 15}
